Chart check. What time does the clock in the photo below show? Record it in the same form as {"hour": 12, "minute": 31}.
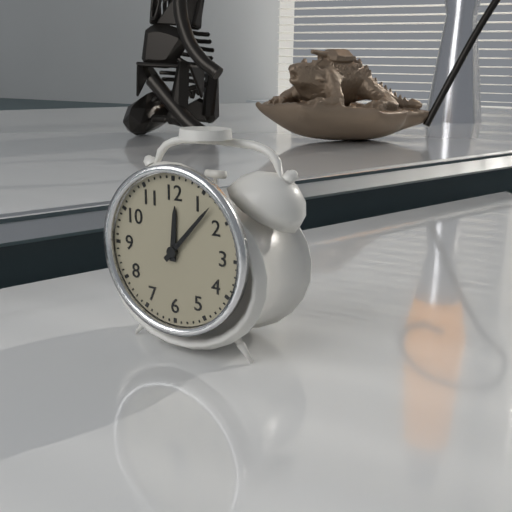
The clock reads {"hour": 12, "minute": 7}
